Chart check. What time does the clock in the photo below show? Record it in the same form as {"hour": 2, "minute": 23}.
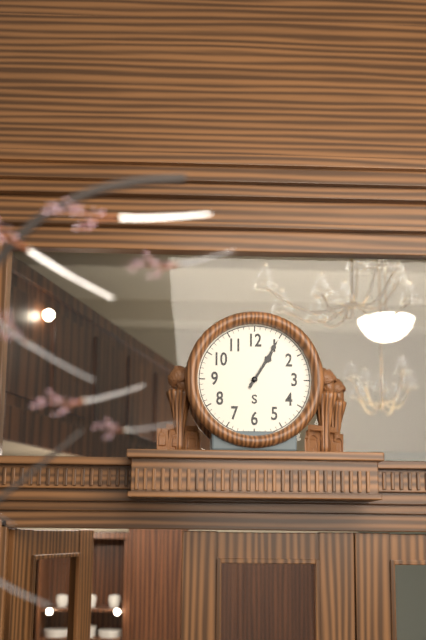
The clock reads {"hour": 1, "minute": 5}
